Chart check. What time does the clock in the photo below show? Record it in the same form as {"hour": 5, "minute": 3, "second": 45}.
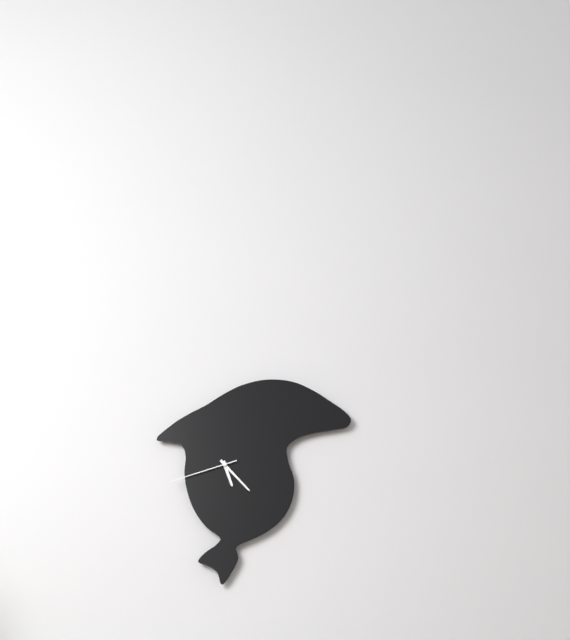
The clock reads {"hour": 5, "minute": 23, "second": 42}
